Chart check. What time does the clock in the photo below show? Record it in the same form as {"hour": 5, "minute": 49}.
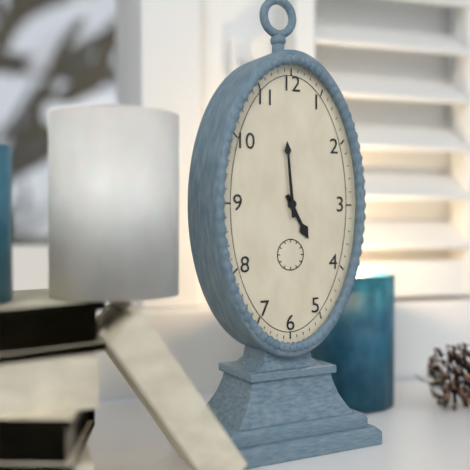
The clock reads {"hour": 4, "minute": 59}
